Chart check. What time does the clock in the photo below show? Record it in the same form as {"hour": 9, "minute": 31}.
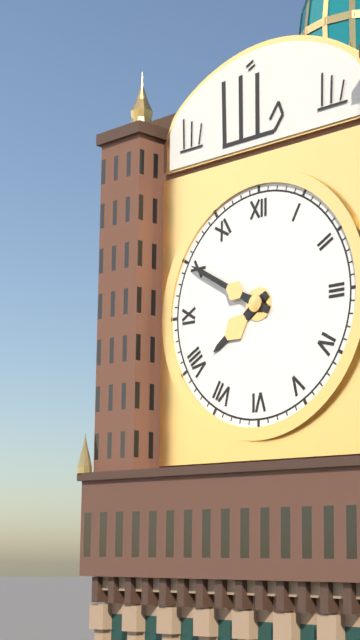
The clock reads {"hour": 7, "minute": 50}
